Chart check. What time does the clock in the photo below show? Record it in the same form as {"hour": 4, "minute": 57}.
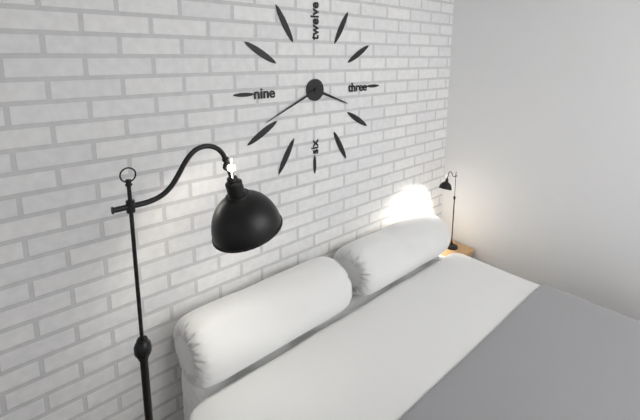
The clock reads {"hour": 3, "minute": 41}
